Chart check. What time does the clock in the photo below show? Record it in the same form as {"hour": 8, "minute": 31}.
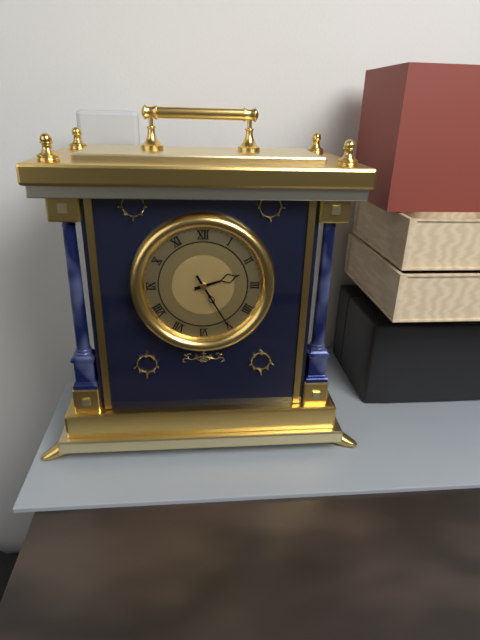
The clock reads {"hour": 2, "minute": 25}
